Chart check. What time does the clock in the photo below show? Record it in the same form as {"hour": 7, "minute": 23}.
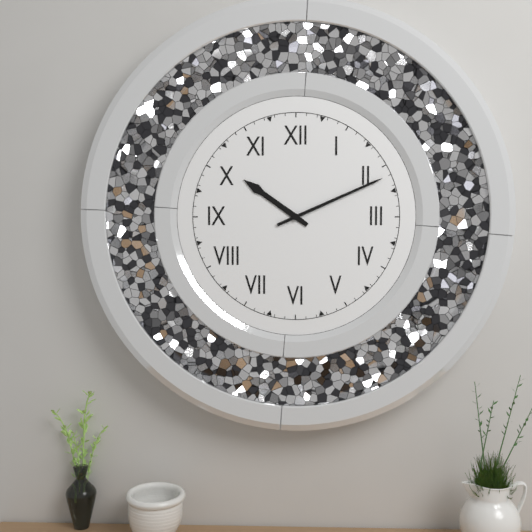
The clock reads {"hour": 10, "minute": 11}
